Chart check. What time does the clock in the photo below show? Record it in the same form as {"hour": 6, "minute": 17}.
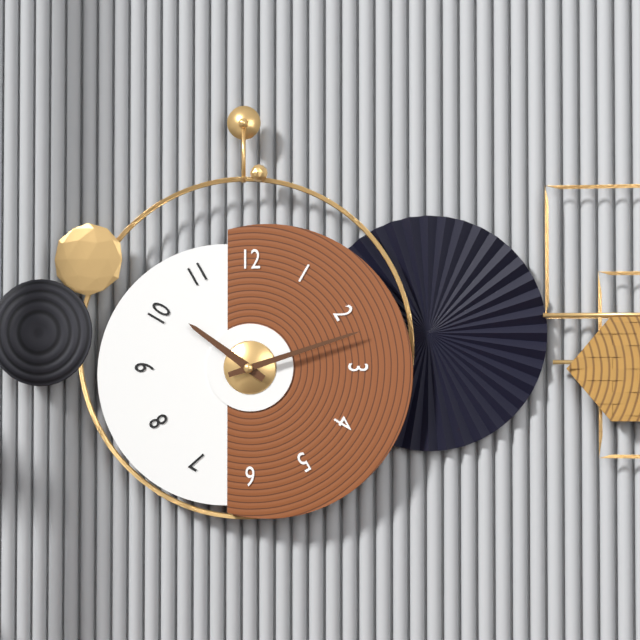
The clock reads {"hour": 10, "minute": 12}
